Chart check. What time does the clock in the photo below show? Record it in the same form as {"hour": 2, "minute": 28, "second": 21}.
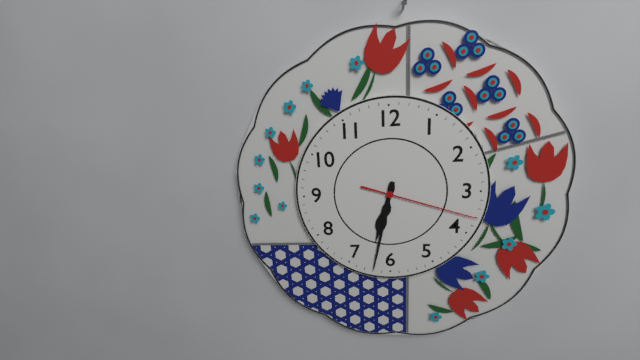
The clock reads {"hour": 6, "minute": 32, "second": 18}
